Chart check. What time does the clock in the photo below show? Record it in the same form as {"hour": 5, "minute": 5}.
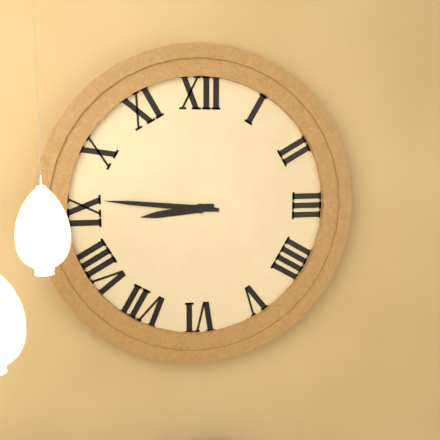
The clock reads {"hour": 8, "minute": 46}
